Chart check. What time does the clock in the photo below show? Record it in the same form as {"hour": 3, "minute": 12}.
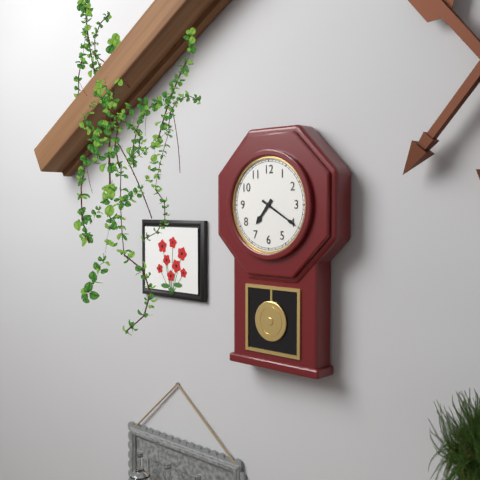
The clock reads {"hour": 7, "minute": 20}
